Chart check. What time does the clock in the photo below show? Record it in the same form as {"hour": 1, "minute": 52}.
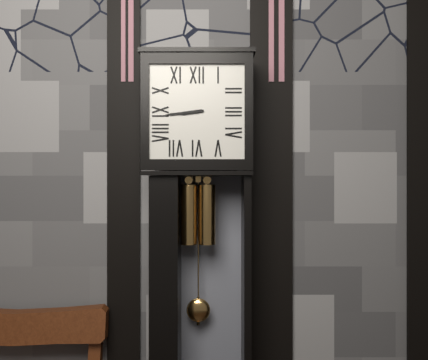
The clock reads {"hour": 8, "minute": 44}
